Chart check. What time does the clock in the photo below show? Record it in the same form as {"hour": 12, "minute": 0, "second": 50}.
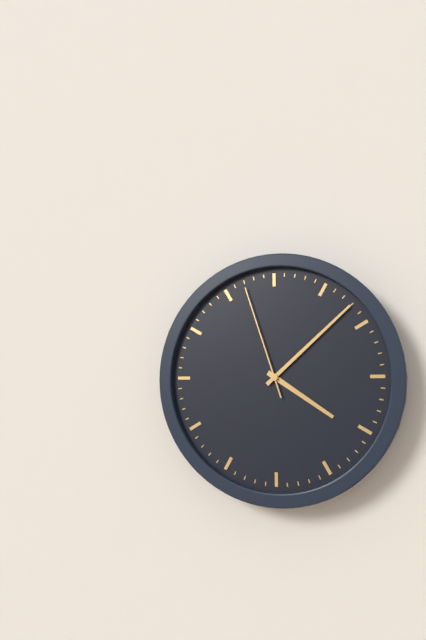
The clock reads {"hour": 4, "minute": 8, "second": 57}
